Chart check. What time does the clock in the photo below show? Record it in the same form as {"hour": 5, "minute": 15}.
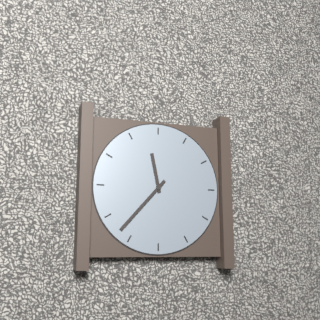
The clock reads {"hour": 11, "minute": 37}
